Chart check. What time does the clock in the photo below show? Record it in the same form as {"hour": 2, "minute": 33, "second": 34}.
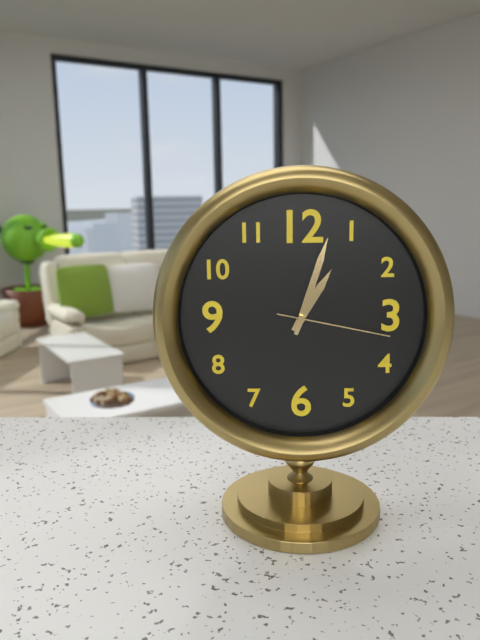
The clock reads {"hour": 1, "minute": 3, "second": 17}
